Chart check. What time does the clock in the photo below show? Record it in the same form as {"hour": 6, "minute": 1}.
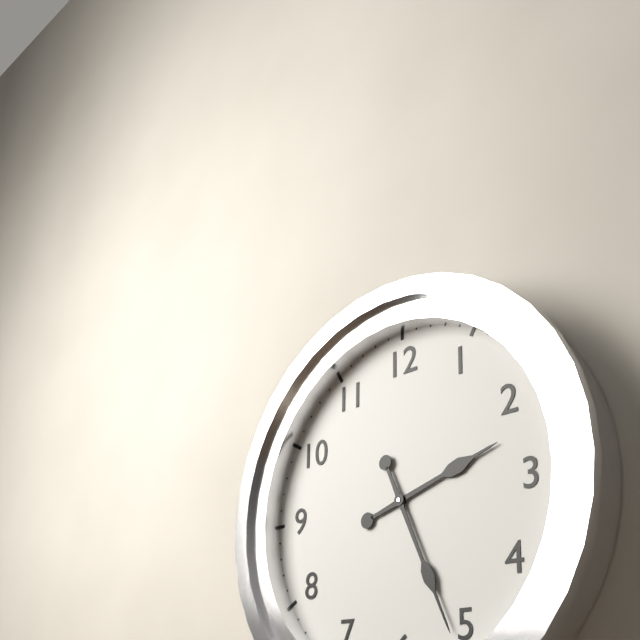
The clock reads {"hour": 2, "minute": 26}
